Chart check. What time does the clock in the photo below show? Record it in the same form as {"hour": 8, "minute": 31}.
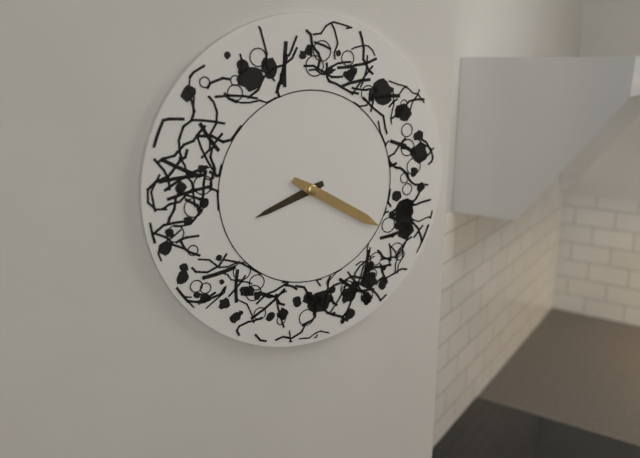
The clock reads {"hour": 8, "minute": 20}
